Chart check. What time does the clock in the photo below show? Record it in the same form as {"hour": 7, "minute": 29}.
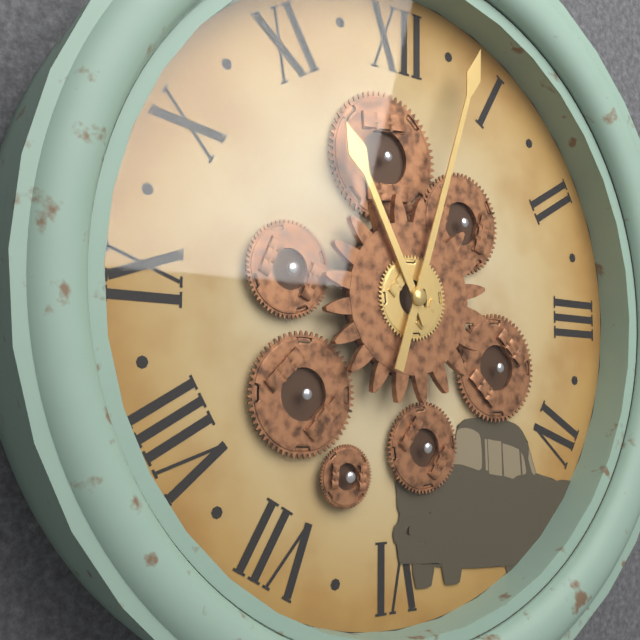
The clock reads {"hour": 11, "minute": 3}
